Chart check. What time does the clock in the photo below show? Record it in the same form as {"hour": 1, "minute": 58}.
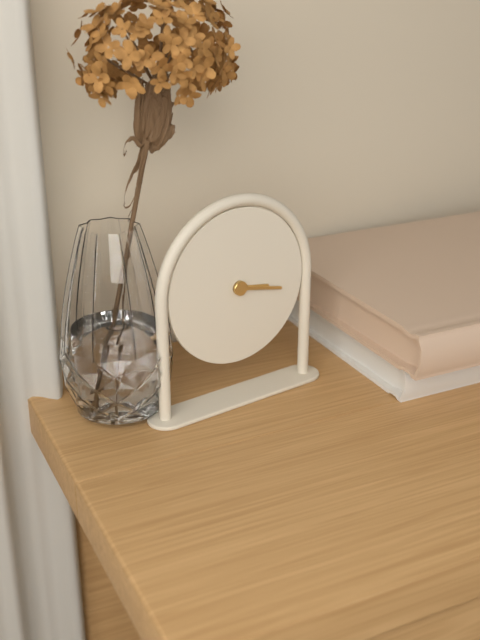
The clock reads {"hour": 3, "minute": 17}
